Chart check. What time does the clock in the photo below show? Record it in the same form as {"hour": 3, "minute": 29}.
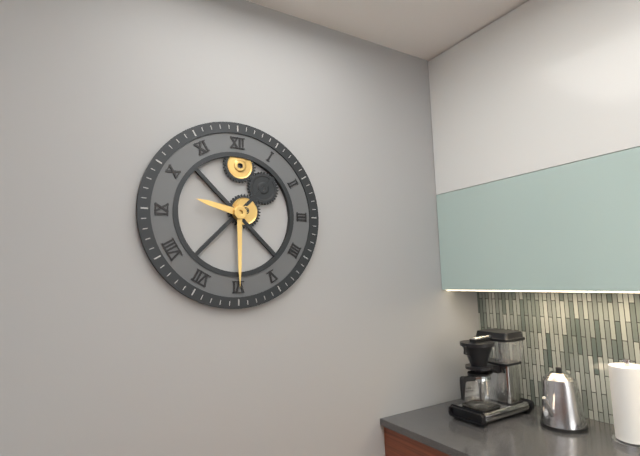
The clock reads {"hour": 9, "minute": 30}
